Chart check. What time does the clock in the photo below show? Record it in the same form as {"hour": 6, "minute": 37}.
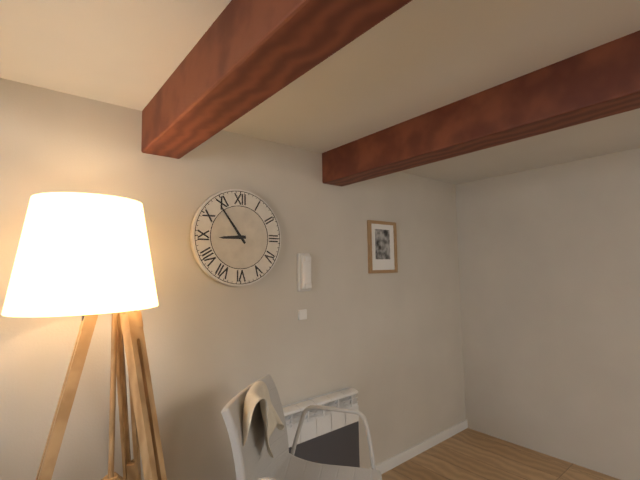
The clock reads {"hour": 8, "minute": 54}
